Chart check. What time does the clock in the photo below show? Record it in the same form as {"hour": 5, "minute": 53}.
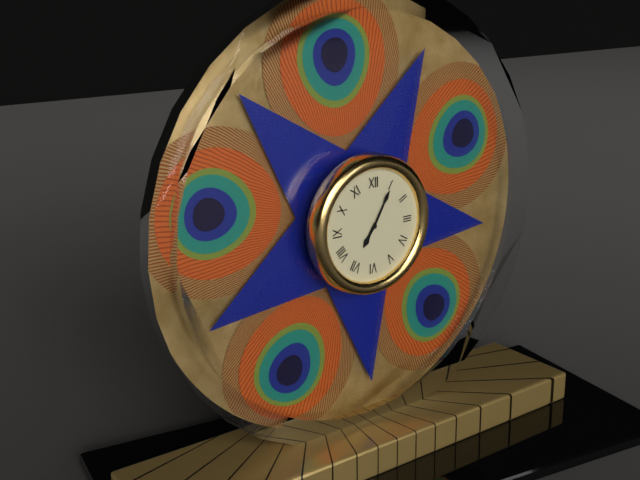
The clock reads {"hour": 7, "minute": 5}
